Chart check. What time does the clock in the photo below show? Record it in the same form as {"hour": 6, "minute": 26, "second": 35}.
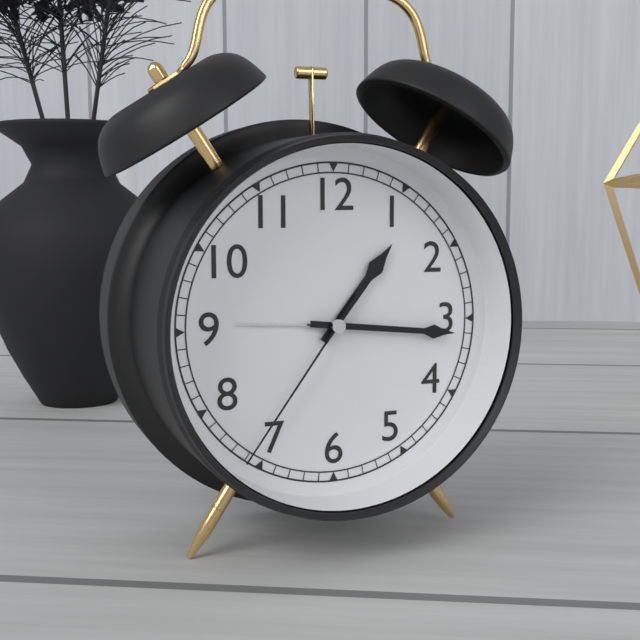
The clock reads {"hour": 1, "minute": 16, "second": 36}
